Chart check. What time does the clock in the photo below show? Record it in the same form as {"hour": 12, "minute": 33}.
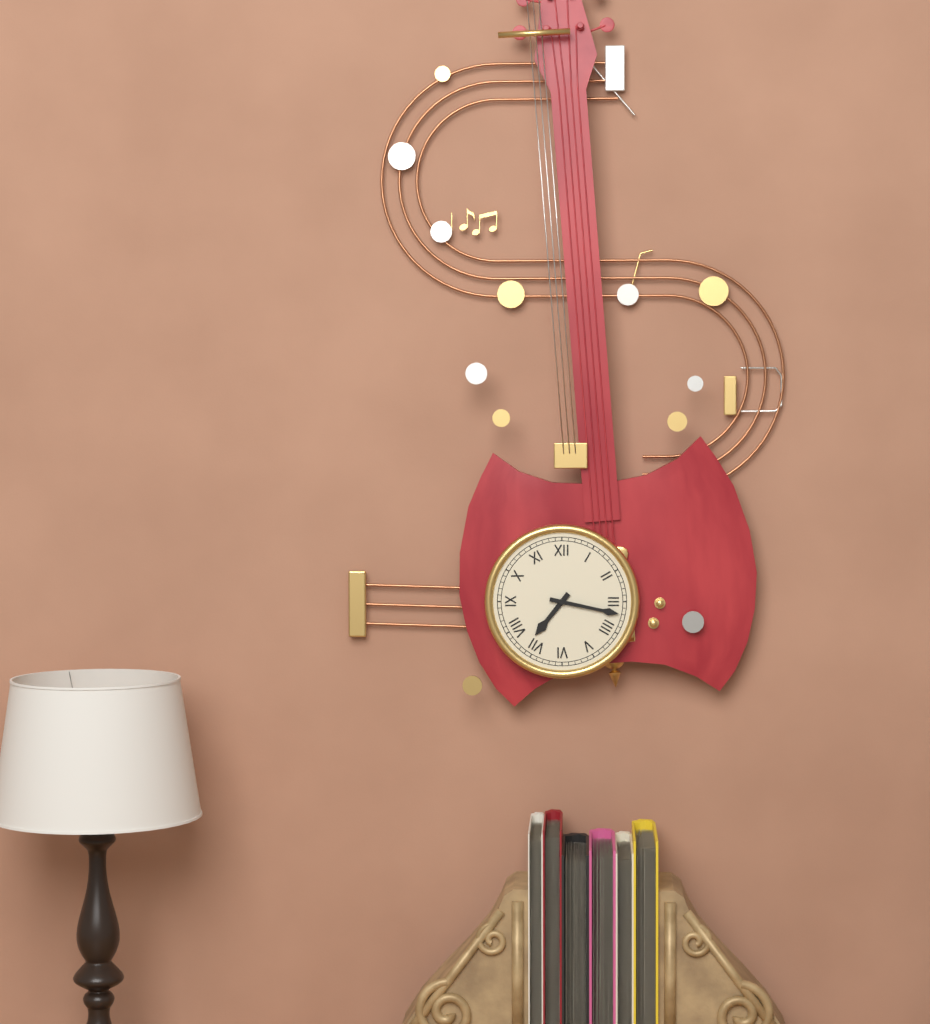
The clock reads {"hour": 7, "minute": 17}
